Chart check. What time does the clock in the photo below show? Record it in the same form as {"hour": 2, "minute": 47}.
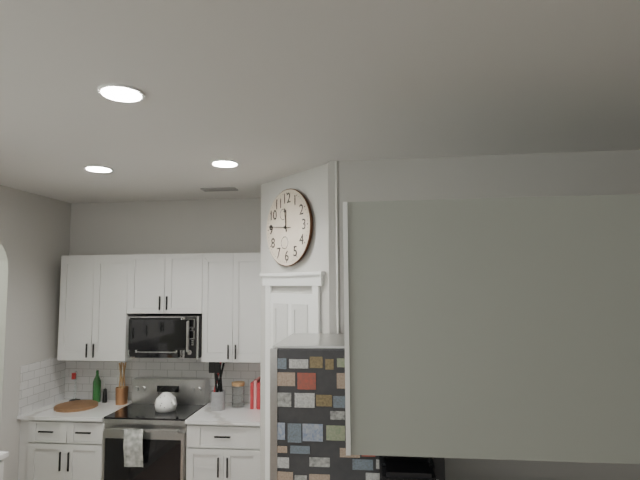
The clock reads {"hour": 11, "minute": 46}
